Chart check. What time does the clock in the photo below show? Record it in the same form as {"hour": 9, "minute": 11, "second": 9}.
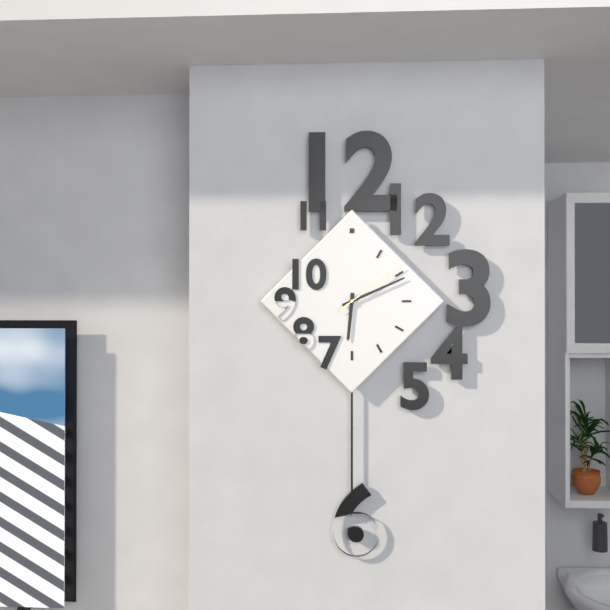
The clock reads {"hour": 6, "minute": 11, "second": 9}
